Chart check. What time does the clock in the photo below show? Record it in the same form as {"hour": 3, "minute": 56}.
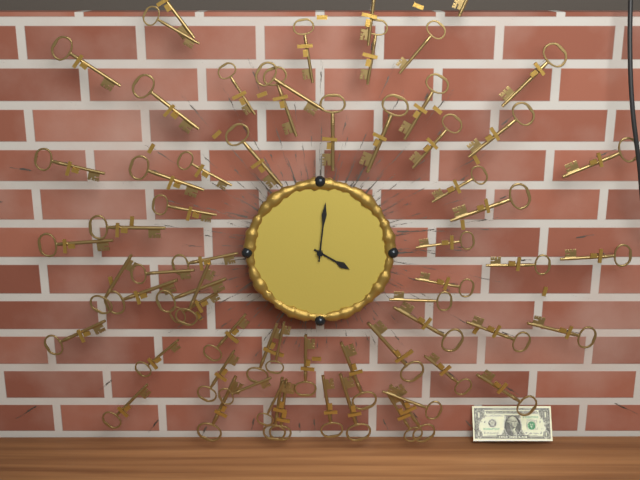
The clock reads {"hour": 4, "minute": 1}
